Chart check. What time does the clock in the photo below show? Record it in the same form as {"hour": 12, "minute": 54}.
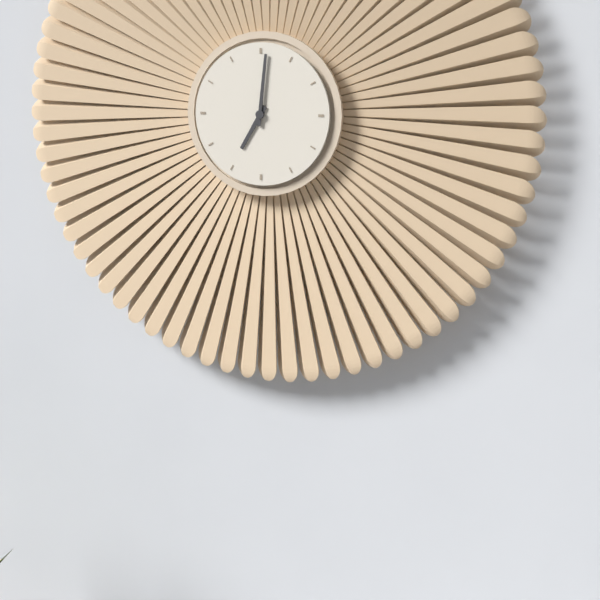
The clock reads {"hour": 7, "minute": 1}
